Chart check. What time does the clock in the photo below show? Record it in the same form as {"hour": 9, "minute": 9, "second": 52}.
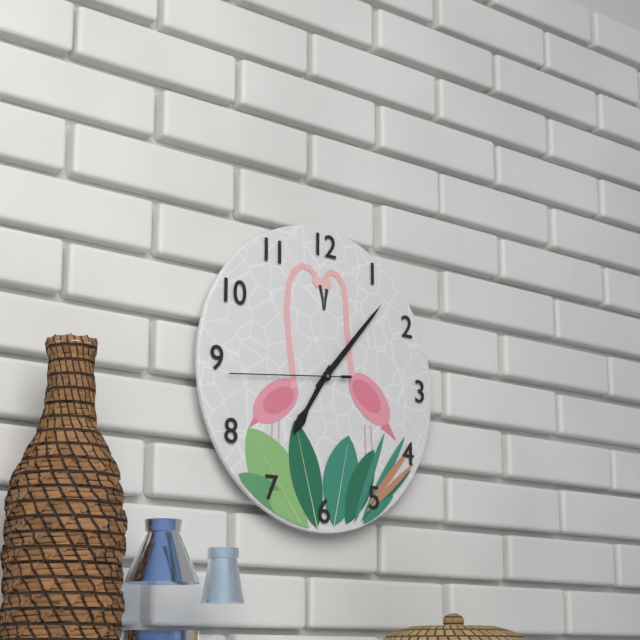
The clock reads {"hour": 7, "minute": 7, "second": 44}
